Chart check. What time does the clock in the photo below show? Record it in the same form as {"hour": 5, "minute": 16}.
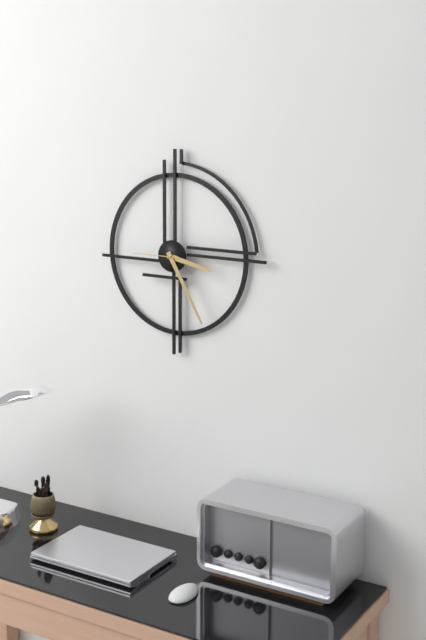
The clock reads {"hour": 3, "minute": 25}
